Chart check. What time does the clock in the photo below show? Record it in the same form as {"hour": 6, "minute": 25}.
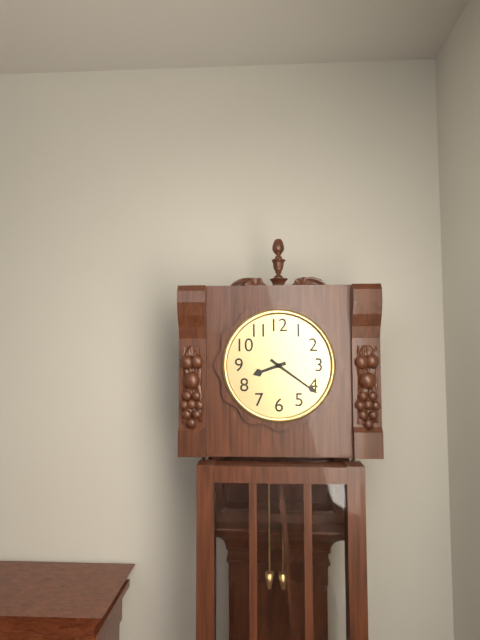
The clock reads {"hour": 8, "minute": 21}
